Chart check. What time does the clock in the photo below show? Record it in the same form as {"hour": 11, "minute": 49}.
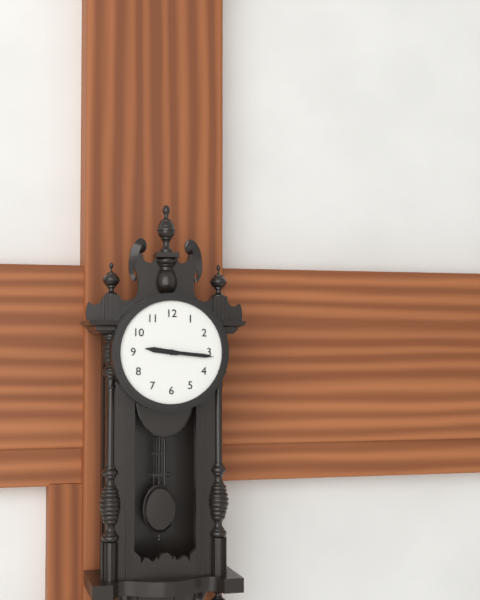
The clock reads {"hour": 9, "minute": 16}
